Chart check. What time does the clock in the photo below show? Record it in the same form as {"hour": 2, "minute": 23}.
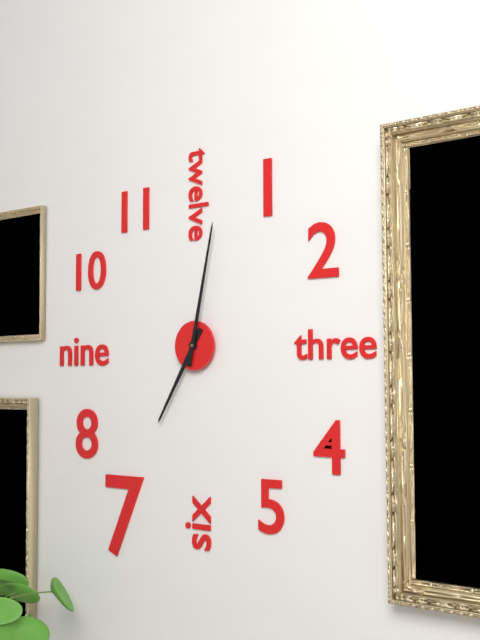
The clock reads {"hour": 7, "minute": 2}
